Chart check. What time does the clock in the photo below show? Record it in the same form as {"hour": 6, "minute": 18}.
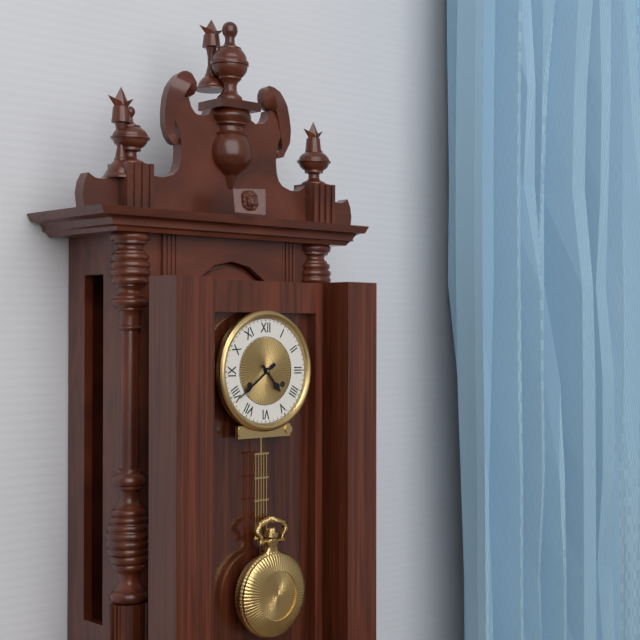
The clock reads {"hour": 4, "minute": 39}
